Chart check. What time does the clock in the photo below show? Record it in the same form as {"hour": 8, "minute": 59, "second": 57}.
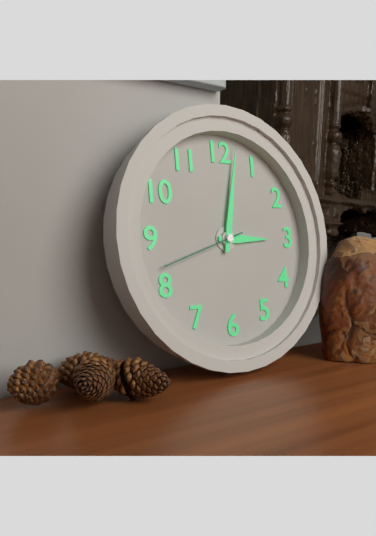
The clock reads {"hour": 3, "minute": 2, "second": 42}
